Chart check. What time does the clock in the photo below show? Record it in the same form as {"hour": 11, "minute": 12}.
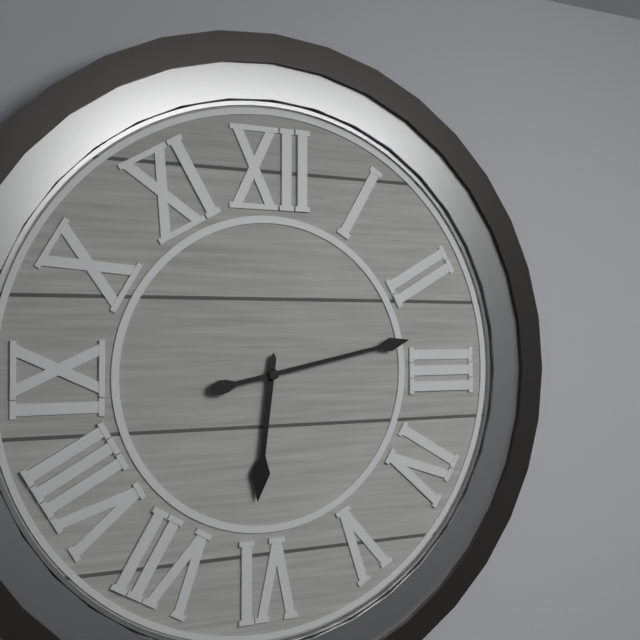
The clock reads {"hour": 6, "minute": 13}
